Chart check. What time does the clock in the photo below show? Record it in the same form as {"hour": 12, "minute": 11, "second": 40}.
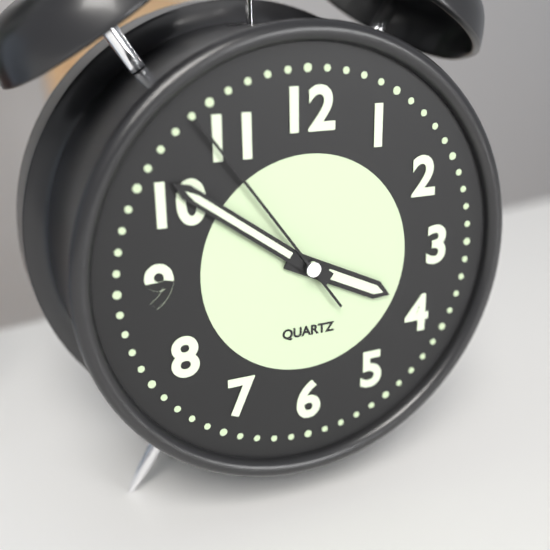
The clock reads {"hour": 3, "minute": 51, "second": 54}
